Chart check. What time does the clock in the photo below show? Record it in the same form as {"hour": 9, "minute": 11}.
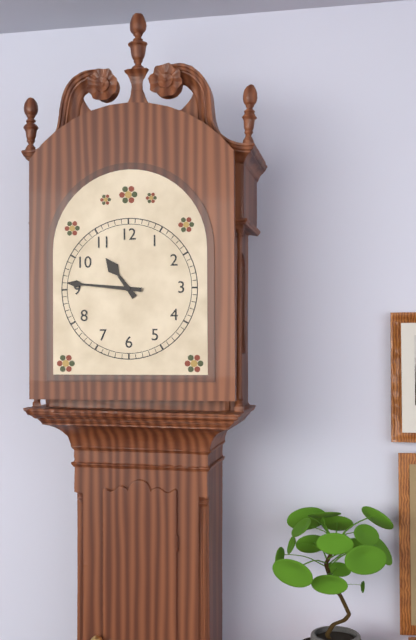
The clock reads {"hour": 10, "minute": 46}
